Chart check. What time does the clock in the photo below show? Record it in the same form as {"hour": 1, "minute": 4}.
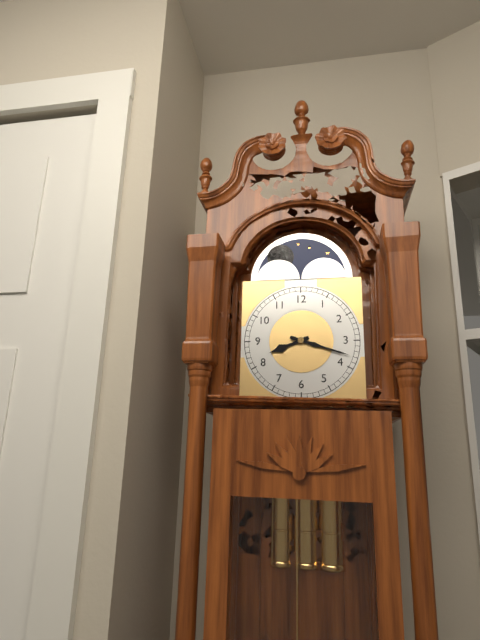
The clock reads {"hour": 8, "minute": 18}
